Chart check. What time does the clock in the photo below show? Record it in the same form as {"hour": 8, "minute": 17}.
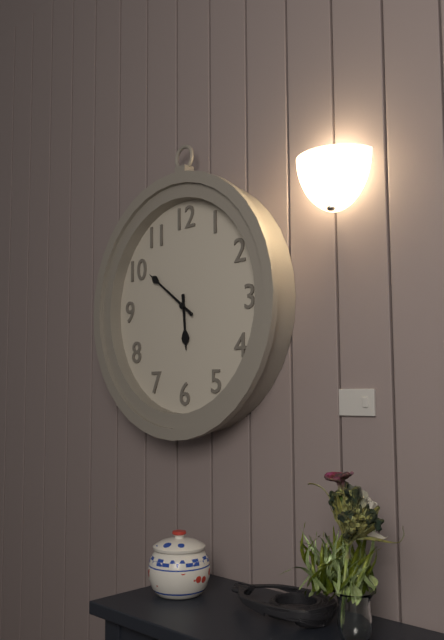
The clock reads {"hour": 5, "minute": 51}
